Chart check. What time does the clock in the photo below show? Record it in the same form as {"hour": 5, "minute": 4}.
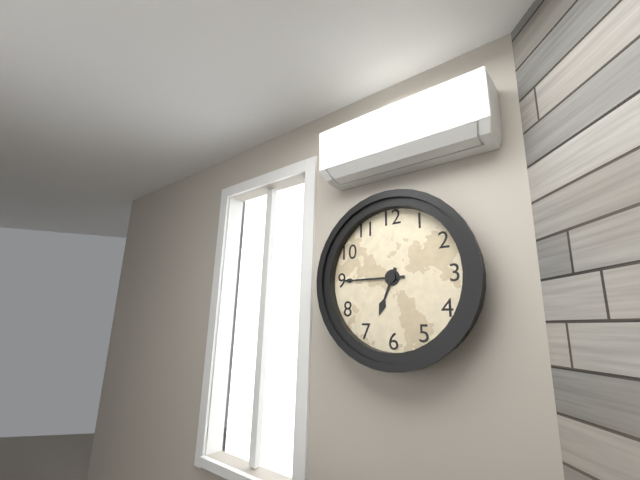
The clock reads {"hour": 6, "minute": 45}
